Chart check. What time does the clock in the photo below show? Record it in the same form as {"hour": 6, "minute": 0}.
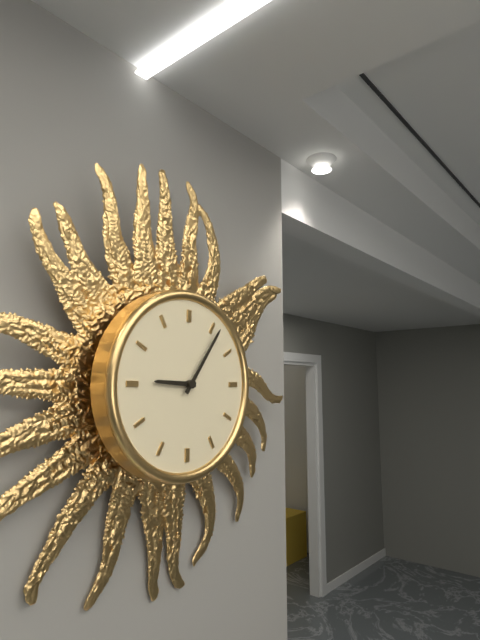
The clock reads {"hour": 9, "minute": 6}
